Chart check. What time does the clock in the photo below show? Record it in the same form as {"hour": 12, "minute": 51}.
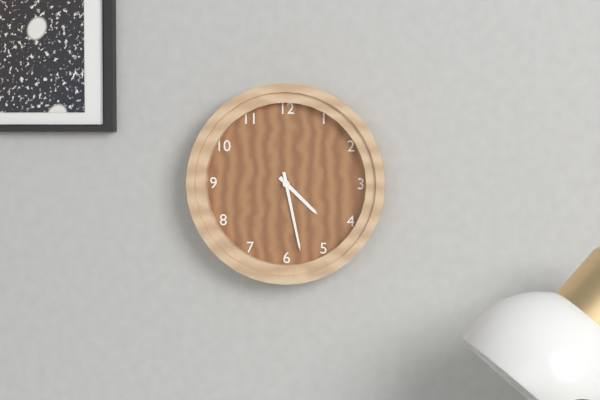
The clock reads {"hour": 4, "minute": 28}
